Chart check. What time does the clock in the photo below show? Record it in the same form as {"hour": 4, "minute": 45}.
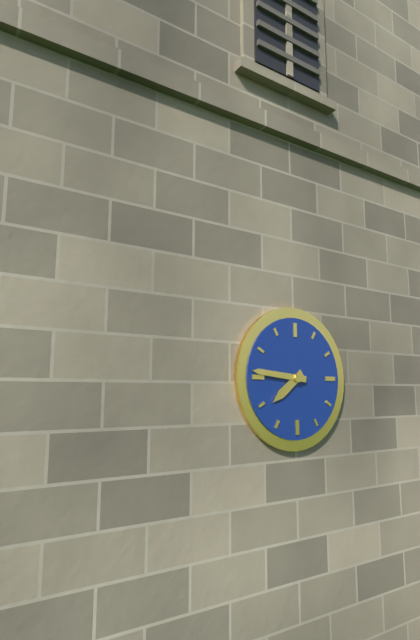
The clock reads {"hour": 7, "minute": 46}
